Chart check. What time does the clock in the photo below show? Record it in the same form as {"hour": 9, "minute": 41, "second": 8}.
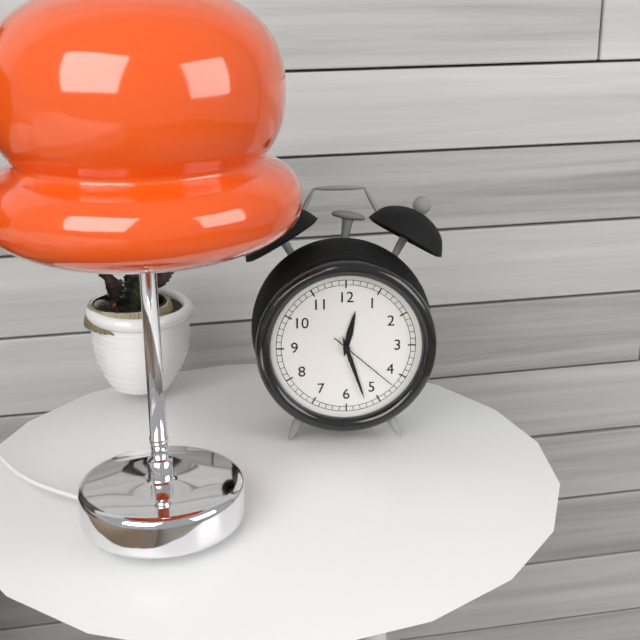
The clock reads {"hour": 12, "minute": 27, "second": 22}
